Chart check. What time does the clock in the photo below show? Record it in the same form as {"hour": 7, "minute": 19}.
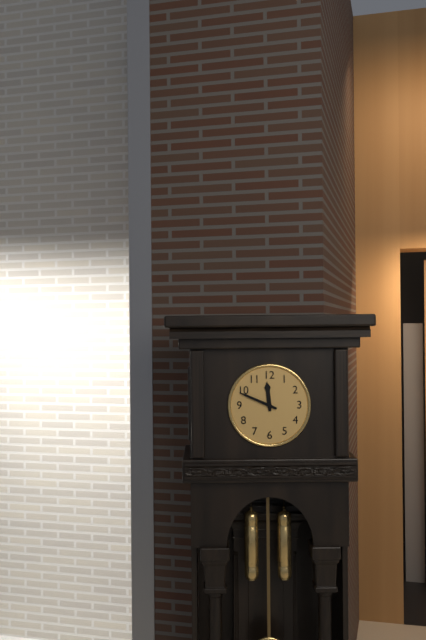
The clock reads {"hour": 11, "minute": 49}
